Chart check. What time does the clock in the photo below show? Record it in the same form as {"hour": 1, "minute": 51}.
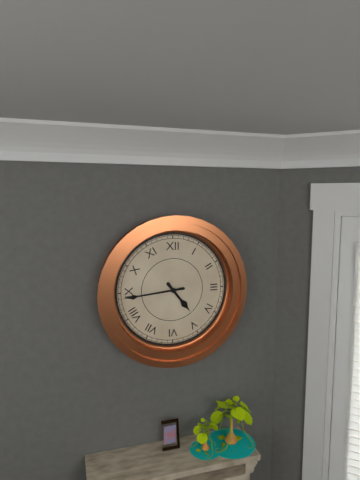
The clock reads {"hour": 4, "minute": 44}
